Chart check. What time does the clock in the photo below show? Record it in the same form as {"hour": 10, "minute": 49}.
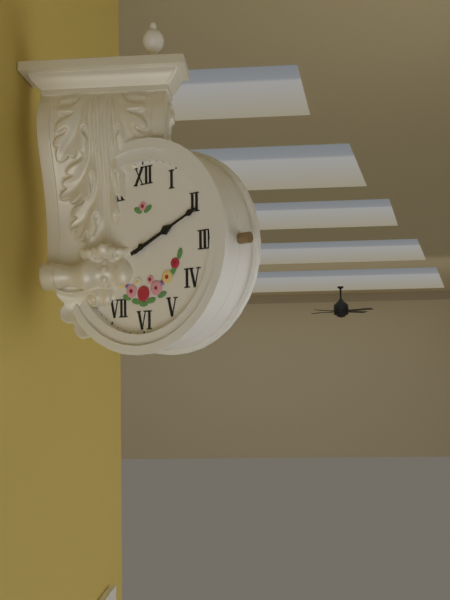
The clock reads {"hour": 2, "minute": 11}
